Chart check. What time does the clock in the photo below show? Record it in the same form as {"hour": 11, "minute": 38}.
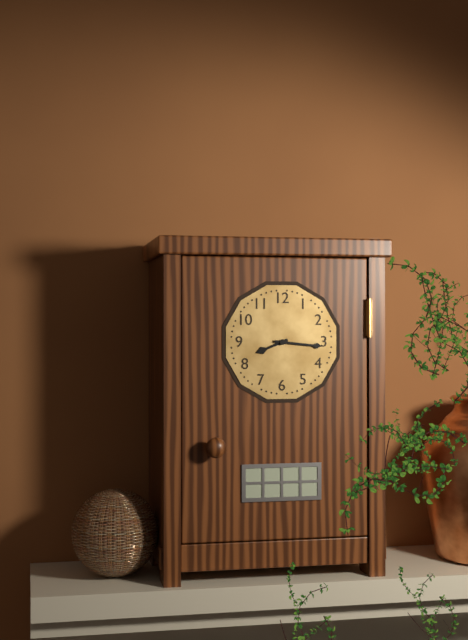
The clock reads {"hour": 8, "minute": 16}
